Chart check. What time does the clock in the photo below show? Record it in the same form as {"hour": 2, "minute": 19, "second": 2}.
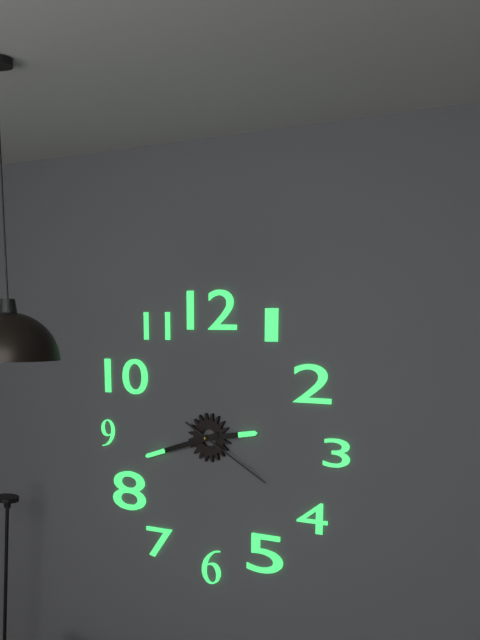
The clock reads {"hour": 2, "minute": 42, "second": 20}
